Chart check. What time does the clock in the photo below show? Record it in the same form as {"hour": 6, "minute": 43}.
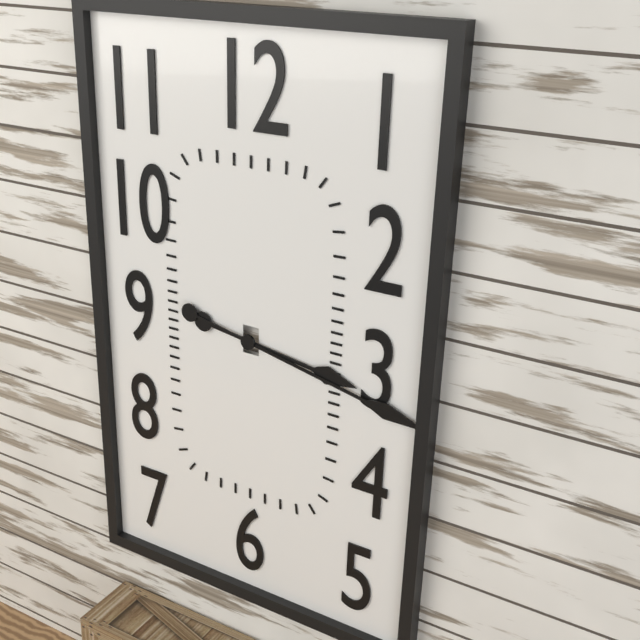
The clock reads {"hour": 3, "minute": 17}
